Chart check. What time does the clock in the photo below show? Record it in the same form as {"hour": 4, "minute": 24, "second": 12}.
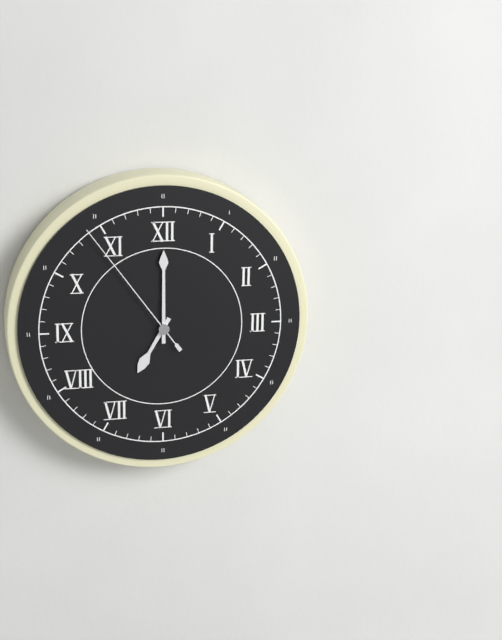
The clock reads {"hour": 7, "minute": 0, "second": 54}
